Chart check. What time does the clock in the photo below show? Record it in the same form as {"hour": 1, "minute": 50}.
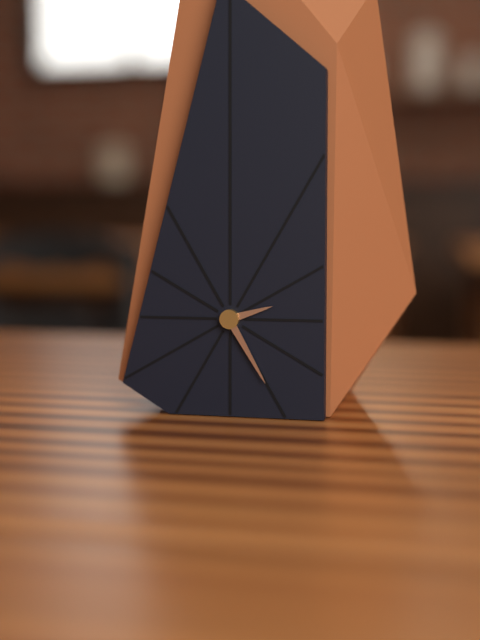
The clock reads {"hour": 2, "minute": 25}
